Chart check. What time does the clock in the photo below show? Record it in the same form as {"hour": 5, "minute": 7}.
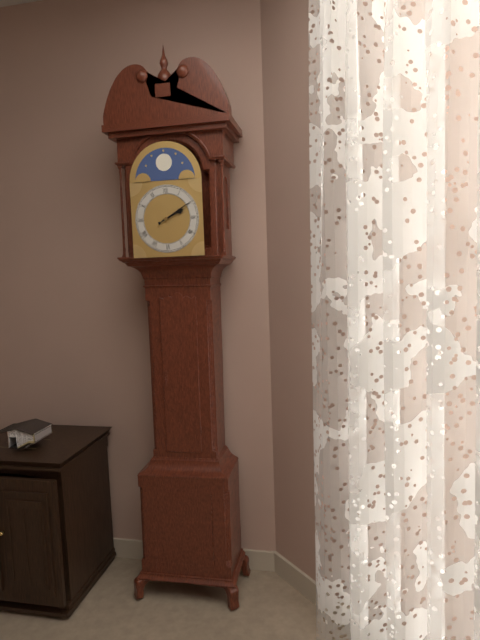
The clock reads {"hour": 2, "minute": 10}
